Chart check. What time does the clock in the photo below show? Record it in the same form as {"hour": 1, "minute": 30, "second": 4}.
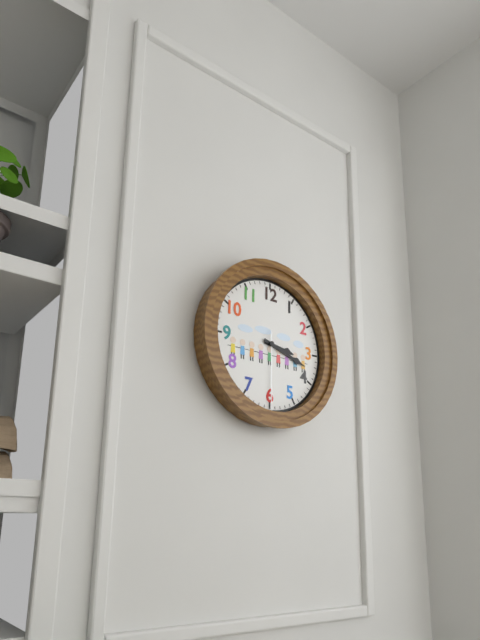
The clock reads {"hour": 3, "minute": 18, "second": 30}
